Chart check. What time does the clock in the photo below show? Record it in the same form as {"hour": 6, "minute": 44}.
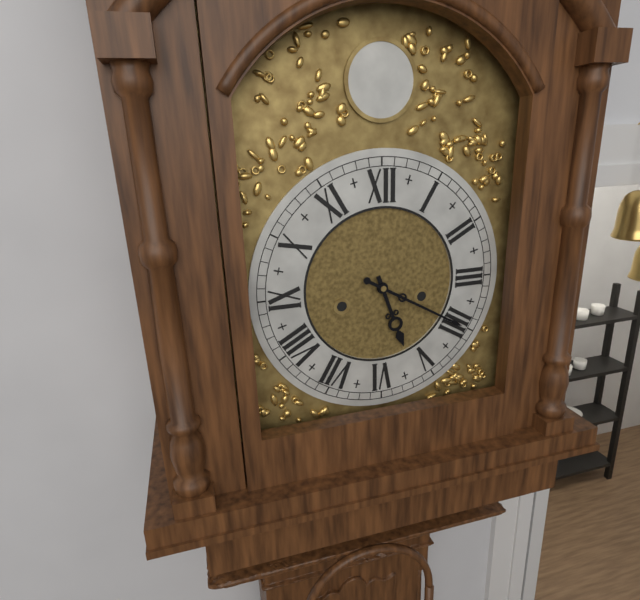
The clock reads {"hour": 5, "minute": 20}
